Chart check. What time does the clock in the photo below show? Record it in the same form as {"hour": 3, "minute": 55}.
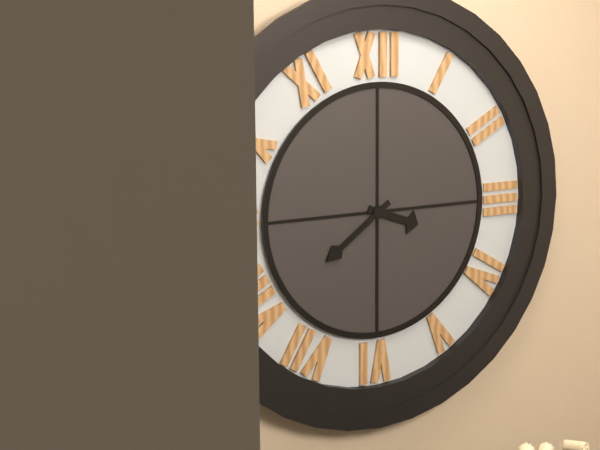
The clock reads {"hour": 3, "minute": 39}
